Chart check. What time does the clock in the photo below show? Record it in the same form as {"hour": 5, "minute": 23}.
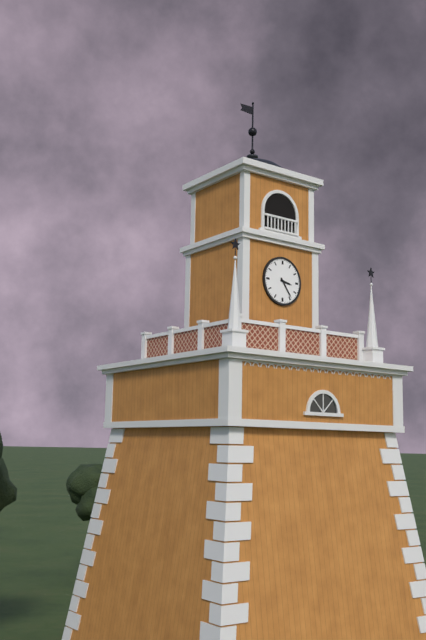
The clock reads {"hour": 3, "minute": 24}
